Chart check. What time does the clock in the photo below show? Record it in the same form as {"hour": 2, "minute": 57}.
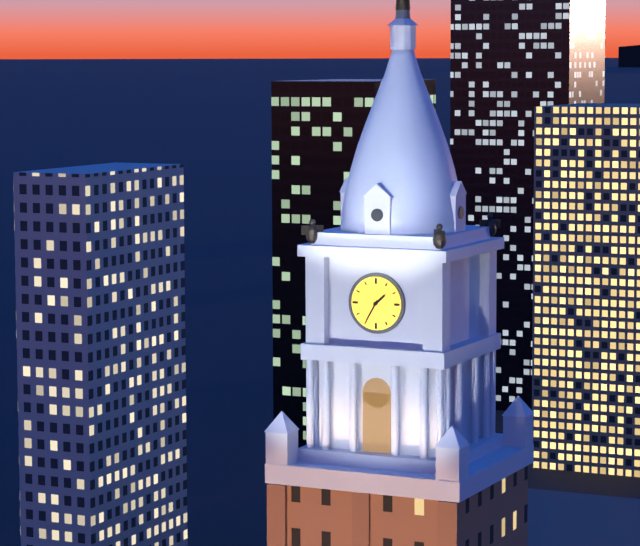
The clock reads {"hour": 1, "minute": 35}
